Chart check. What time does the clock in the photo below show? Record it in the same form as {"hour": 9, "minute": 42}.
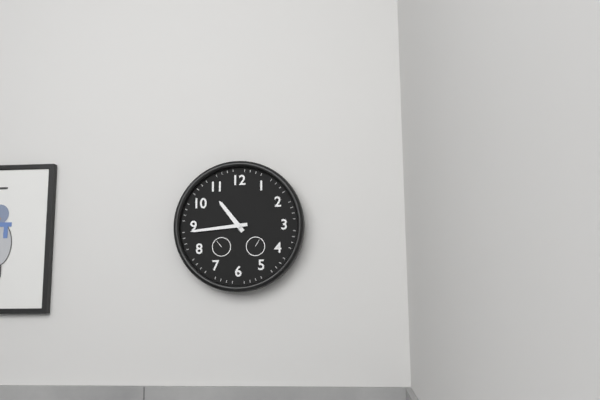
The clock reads {"hour": 10, "minute": 44}
